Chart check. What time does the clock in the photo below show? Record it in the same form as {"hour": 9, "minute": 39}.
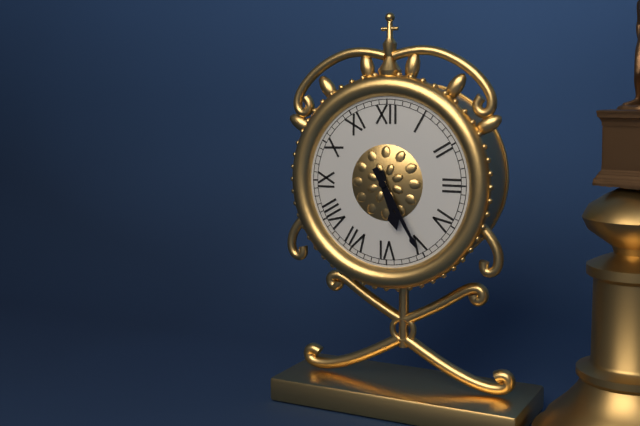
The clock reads {"hour": 5, "minute": 25}
